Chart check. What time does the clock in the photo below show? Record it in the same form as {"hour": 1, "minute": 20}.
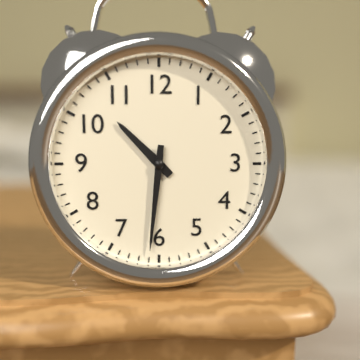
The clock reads {"hour": 10, "minute": 31}
